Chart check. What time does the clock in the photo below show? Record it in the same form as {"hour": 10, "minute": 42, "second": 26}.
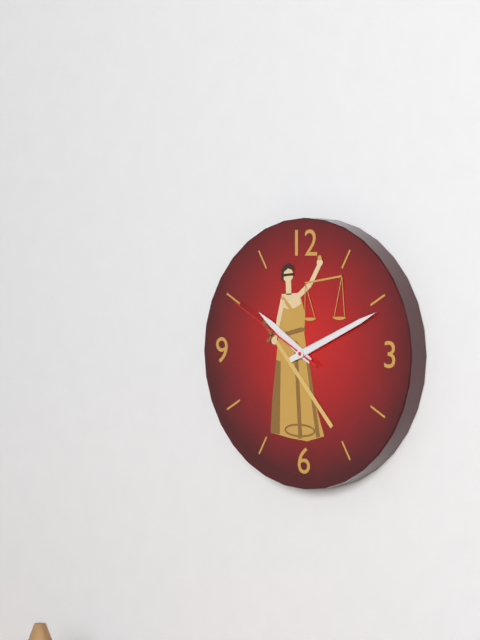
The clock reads {"hour": 10, "minute": 11, "second": 50}
